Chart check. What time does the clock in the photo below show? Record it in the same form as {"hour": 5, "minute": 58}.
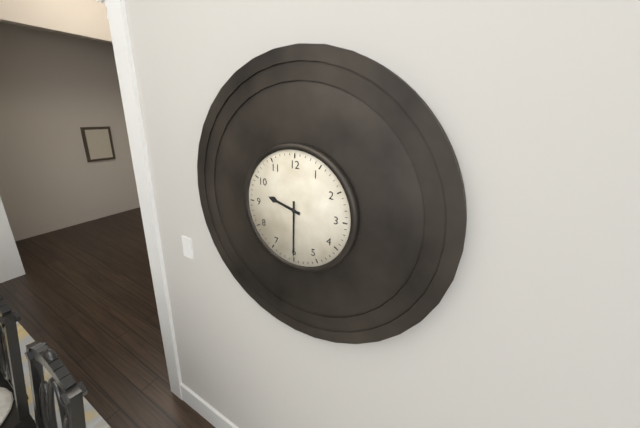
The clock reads {"hour": 9, "minute": 30}
